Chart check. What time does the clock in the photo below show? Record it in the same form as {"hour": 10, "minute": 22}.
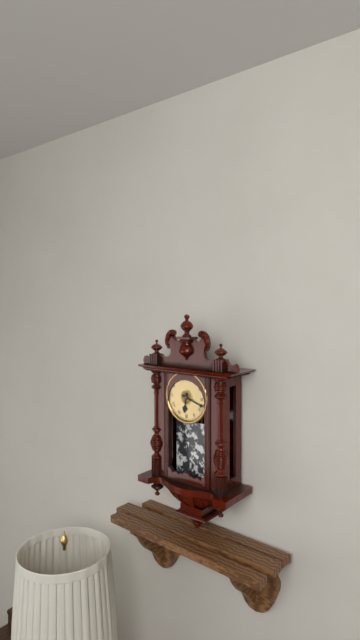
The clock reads {"hour": 6, "minute": 18}
